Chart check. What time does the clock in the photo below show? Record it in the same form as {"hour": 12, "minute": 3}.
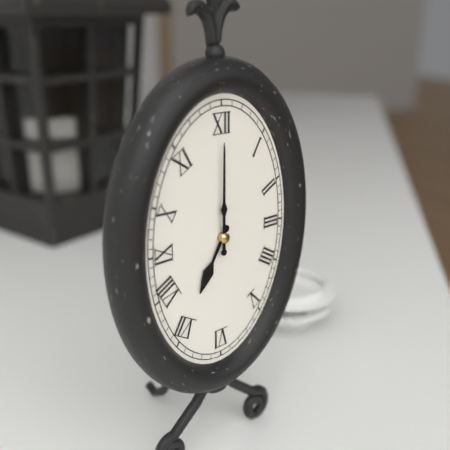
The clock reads {"hour": 7, "minute": 0}
